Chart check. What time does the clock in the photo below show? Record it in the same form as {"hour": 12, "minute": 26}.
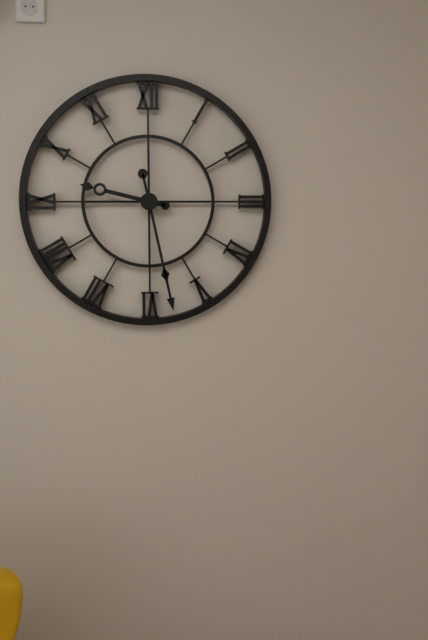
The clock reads {"hour": 9, "minute": 28}
